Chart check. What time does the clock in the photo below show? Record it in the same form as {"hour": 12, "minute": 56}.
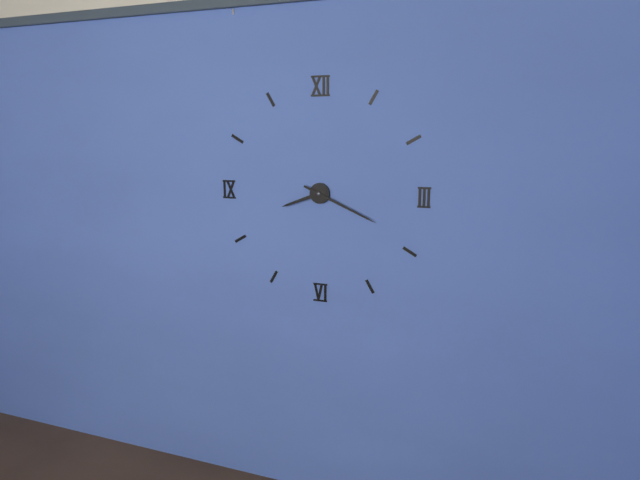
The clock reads {"hour": 8, "minute": 19}
